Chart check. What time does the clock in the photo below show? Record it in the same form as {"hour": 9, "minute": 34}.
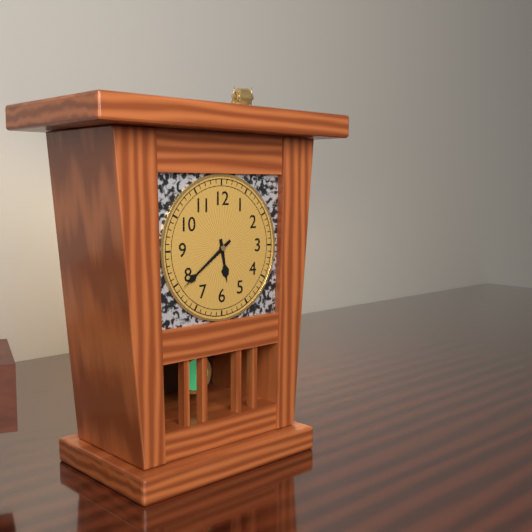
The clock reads {"hour": 5, "minute": 39}
